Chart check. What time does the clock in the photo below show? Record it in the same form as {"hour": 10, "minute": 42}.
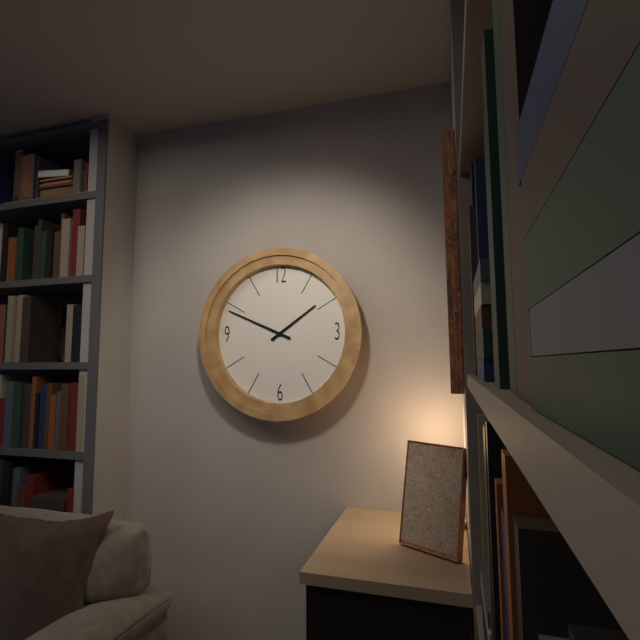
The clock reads {"hour": 1, "minute": 49}
